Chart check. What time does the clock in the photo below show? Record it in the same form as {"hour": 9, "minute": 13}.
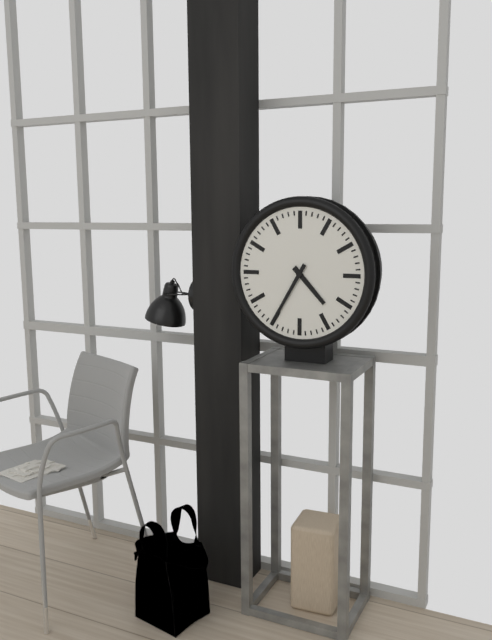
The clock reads {"hour": 4, "minute": 35}
